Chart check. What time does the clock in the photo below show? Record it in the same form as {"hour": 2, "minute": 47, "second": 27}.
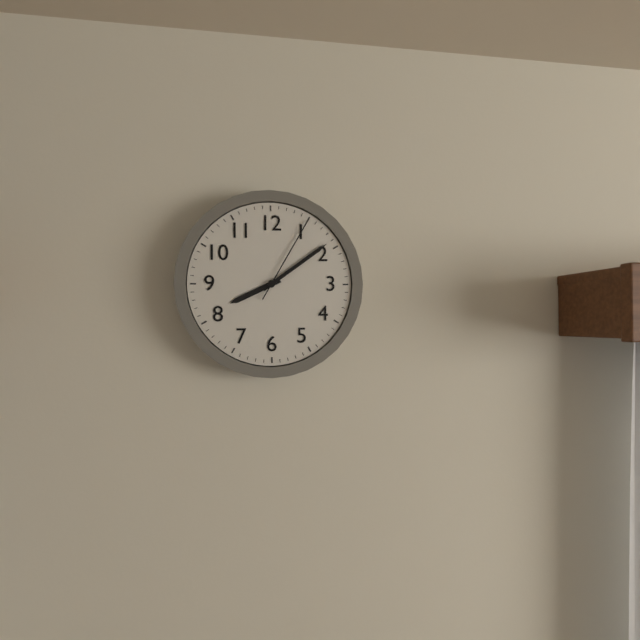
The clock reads {"hour": 8, "minute": 9, "second": 5}
